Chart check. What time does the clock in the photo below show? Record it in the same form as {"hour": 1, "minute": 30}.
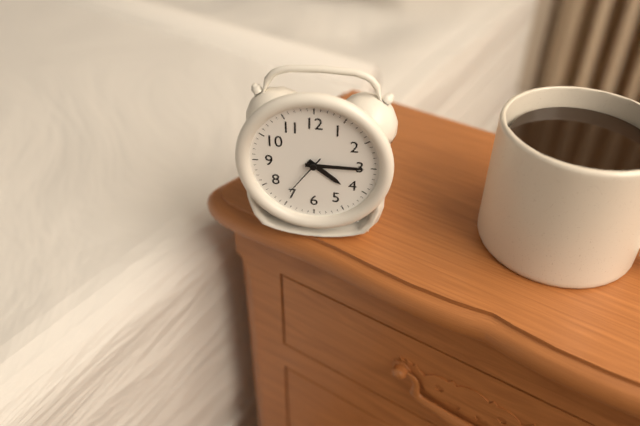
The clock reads {"hour": 4, "minute": 15}
